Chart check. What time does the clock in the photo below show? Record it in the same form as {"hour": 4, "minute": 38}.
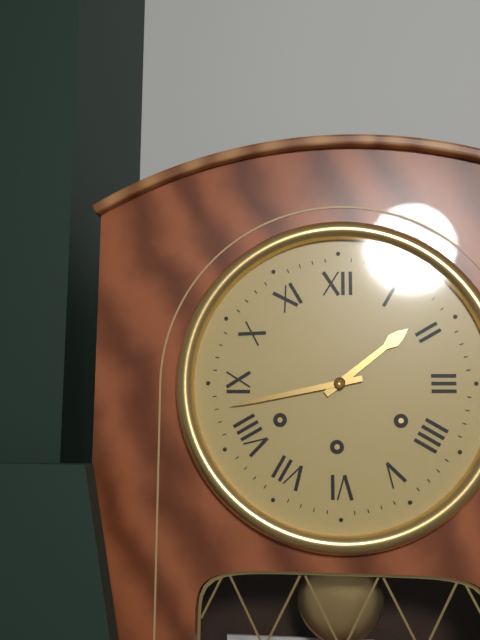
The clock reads {"hour": 1, "minute": 43}
